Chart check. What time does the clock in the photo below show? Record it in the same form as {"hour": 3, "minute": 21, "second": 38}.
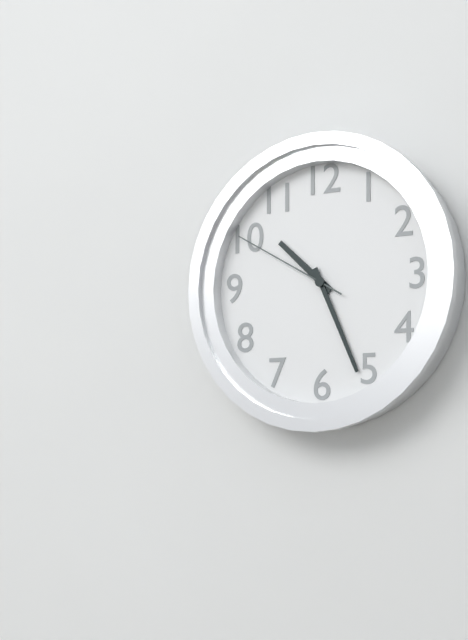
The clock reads {"hour": 10, "minute": 26, "second": 50}
